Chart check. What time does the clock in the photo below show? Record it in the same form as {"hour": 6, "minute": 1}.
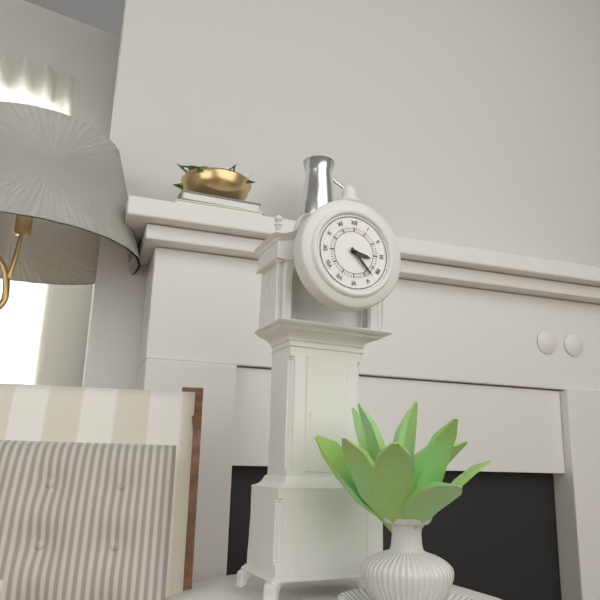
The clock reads {"hour": 3, "minute": 23}
